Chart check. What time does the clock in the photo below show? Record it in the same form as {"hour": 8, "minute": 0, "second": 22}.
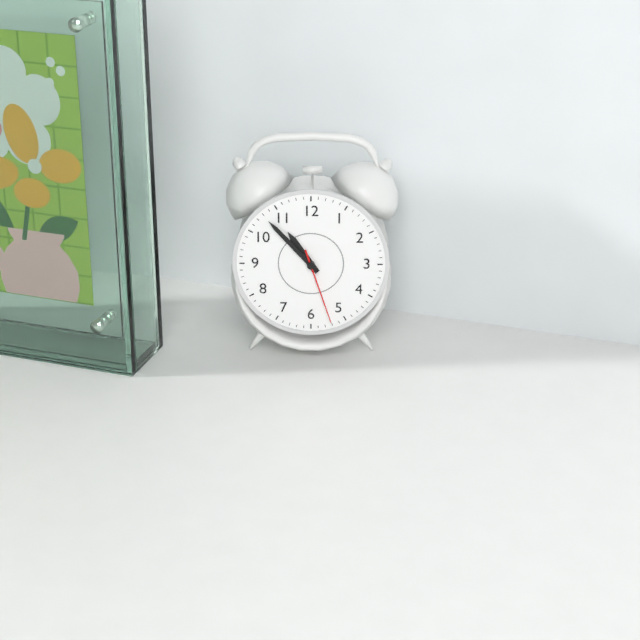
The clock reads {"hour": 10, "minute": 53, "second": 27}
